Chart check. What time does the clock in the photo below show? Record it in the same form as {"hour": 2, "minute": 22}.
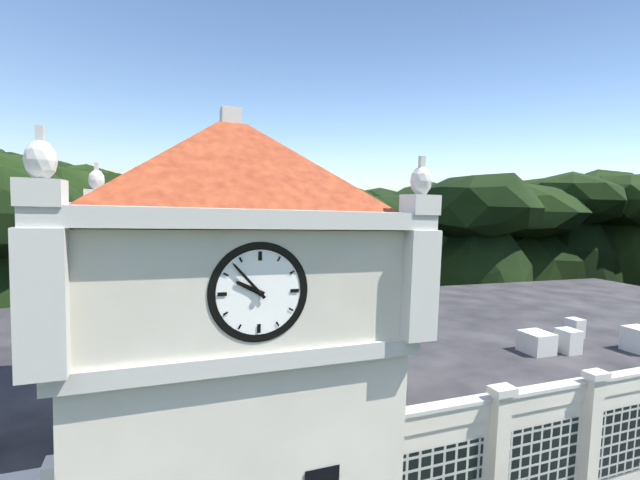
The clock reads {"hour": 9, "minute": 53}
